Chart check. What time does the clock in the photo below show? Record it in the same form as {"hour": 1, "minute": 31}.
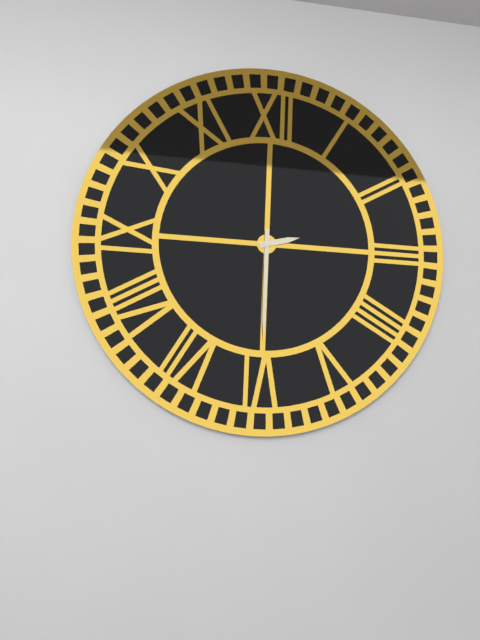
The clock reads {"hour": 2, "minute": 30}
